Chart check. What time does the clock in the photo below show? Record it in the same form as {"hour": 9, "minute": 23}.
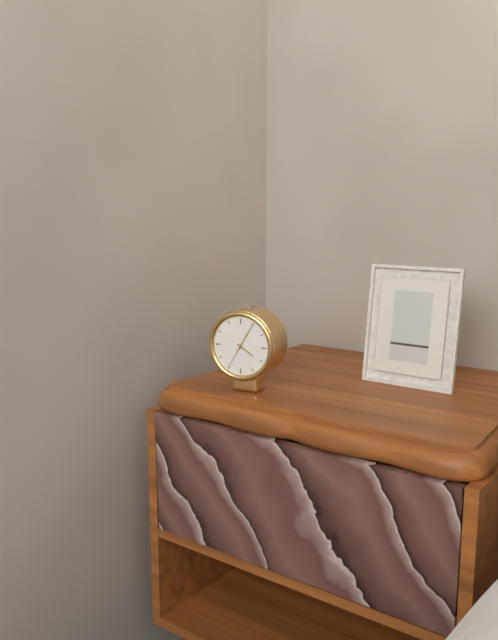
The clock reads {"hour": 4, "minute": 5}
